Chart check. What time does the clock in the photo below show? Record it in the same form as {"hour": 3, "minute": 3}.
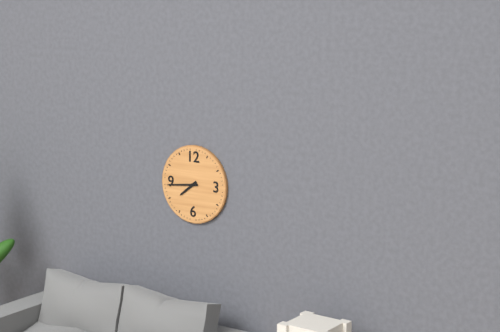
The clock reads {"hour": 7, "minute": 44}
